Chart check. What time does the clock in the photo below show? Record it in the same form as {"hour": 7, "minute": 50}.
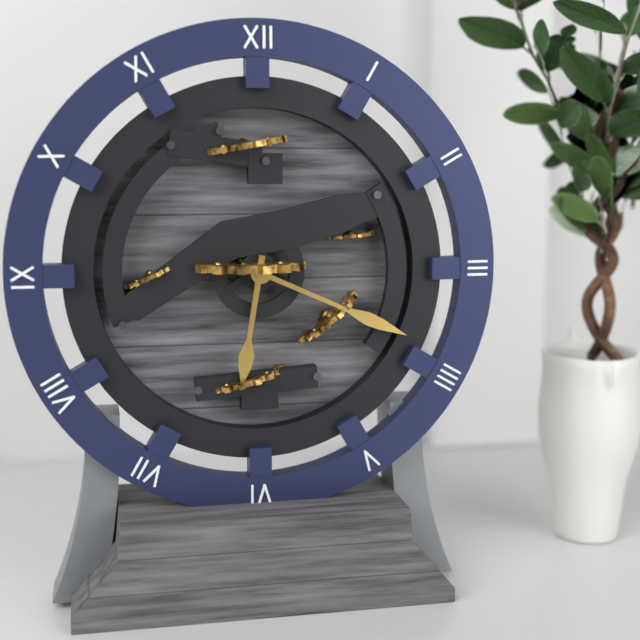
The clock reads {"hour": 6, "minute": 19}
